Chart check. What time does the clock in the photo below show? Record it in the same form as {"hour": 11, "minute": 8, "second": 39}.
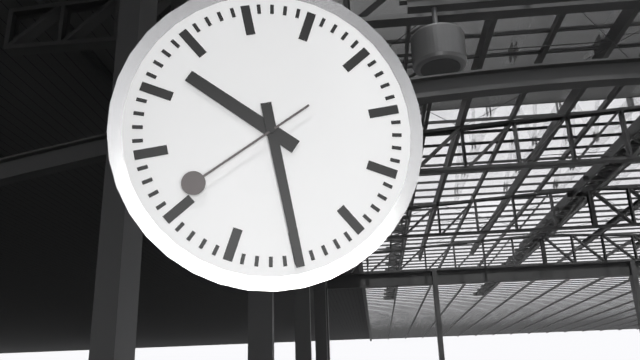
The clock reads {"hour": 10, "minute": 30, "second": 41}
